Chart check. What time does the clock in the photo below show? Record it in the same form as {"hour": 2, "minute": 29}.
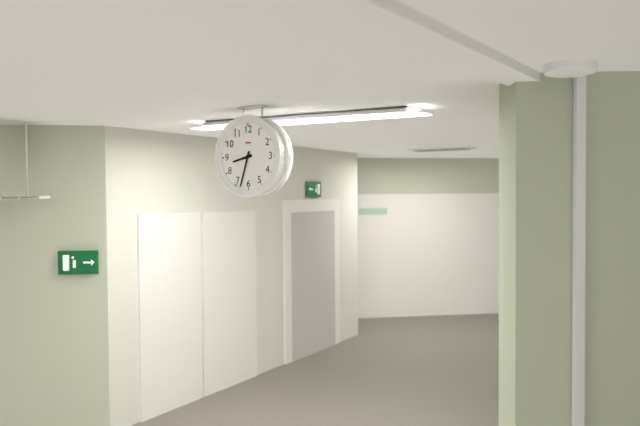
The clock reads {"hour": 8, "minute": 33}
